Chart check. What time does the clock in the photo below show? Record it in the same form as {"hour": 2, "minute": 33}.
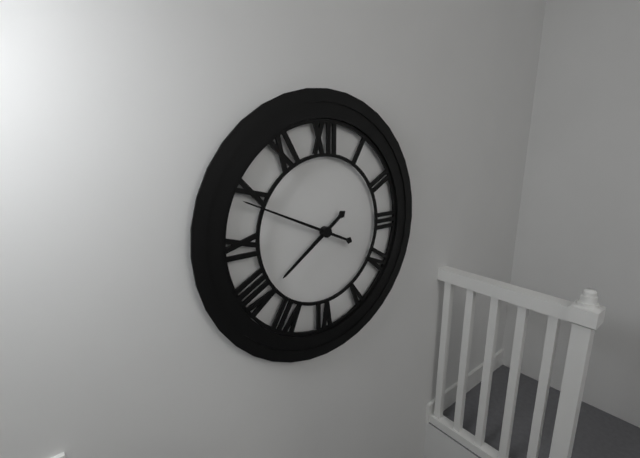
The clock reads {"hour": 7, "minute": 49}
